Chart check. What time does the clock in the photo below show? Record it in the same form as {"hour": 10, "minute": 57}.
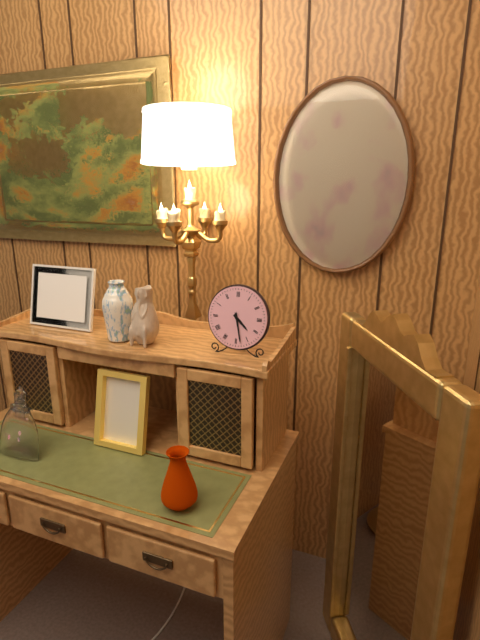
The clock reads {"hour": 4, "minute": 28}
